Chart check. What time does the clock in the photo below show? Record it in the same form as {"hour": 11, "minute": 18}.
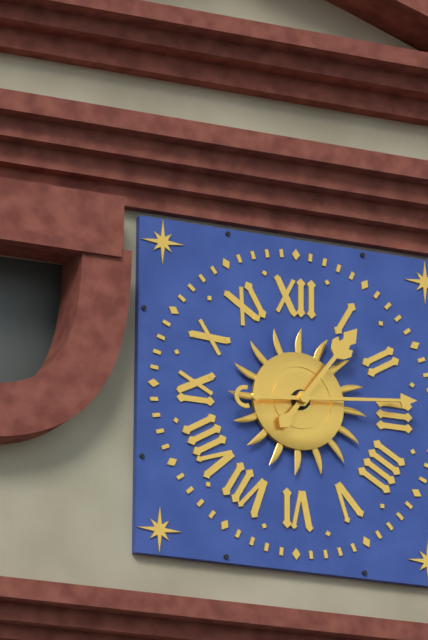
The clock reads {"hour": 1, "minute": 14}
